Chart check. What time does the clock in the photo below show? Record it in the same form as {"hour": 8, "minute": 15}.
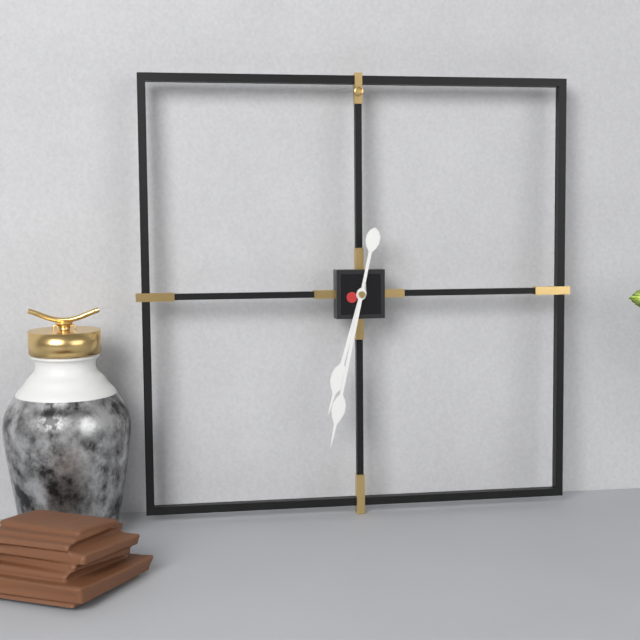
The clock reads {"hour": 6, "minute": 32}
